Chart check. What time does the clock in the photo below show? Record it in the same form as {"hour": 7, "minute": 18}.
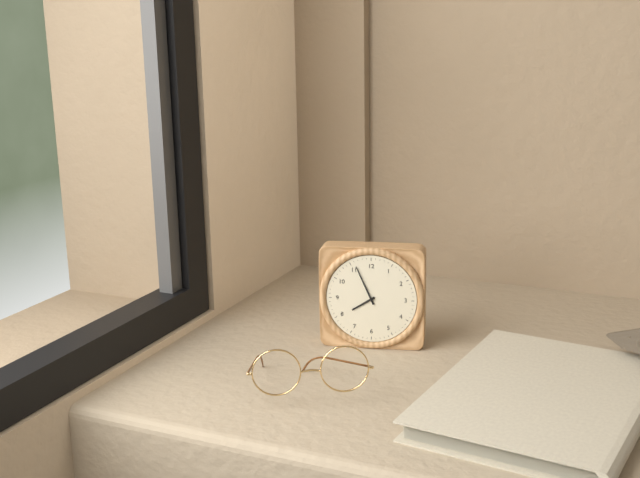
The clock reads {"hour": 7, "minute": 56}
